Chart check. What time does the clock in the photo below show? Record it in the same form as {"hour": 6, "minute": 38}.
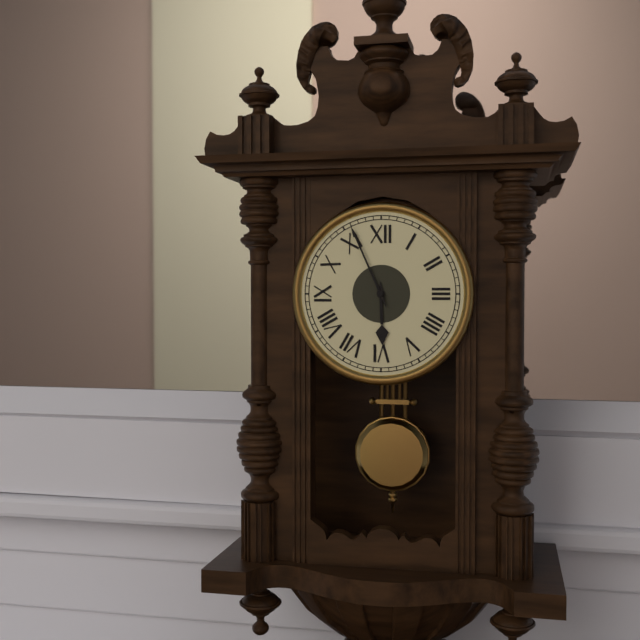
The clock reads {"hour": 5, "minute": 56}
